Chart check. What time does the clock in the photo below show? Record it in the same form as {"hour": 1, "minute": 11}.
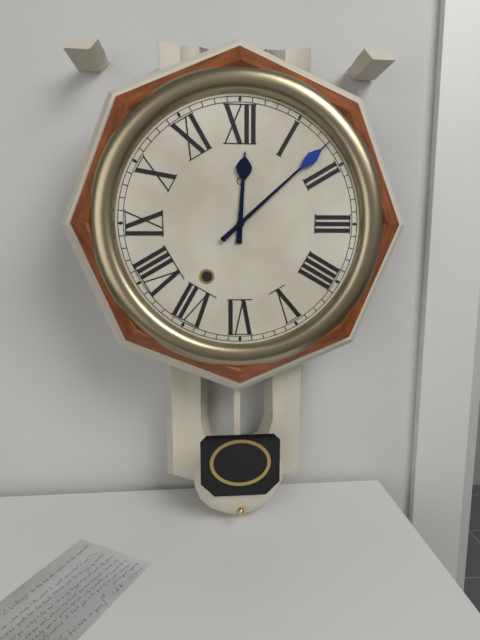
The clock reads {"hour": 12, "minute": 8}
